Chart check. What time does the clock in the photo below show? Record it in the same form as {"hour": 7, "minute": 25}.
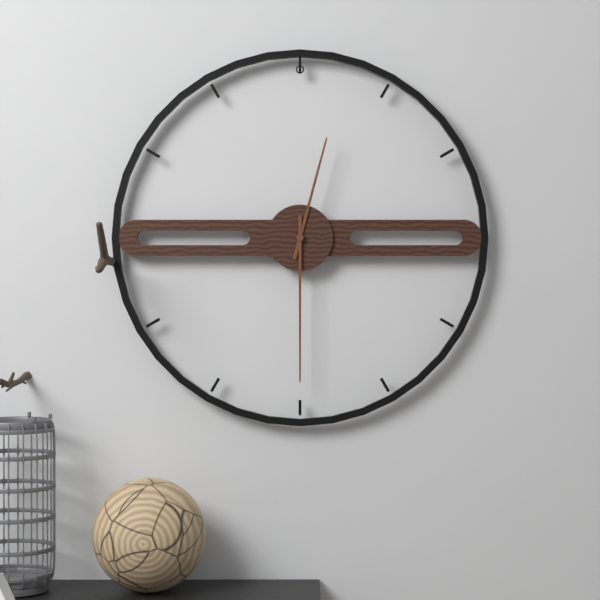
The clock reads {"hour": 12, "minute": 30}
